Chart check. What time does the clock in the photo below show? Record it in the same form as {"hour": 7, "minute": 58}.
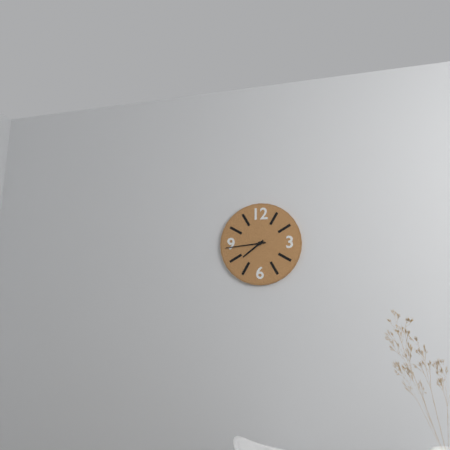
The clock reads {"hour": 7, "minute": 44}
